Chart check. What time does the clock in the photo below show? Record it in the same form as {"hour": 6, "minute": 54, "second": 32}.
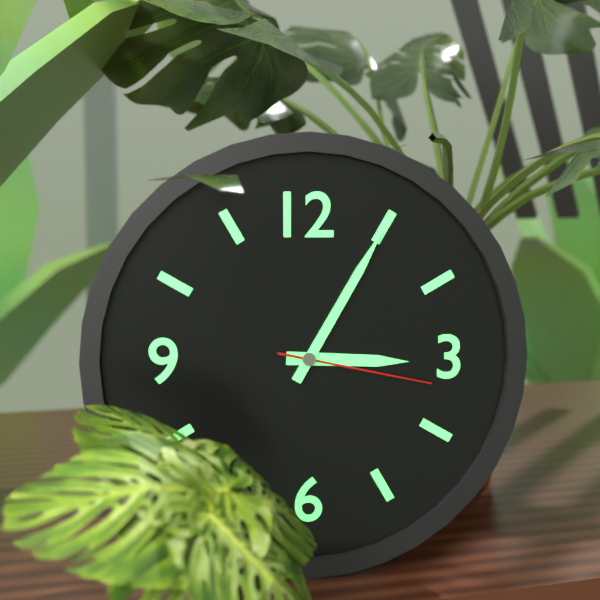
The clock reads {"hour": 3, "minute": 5, "second": 17}
